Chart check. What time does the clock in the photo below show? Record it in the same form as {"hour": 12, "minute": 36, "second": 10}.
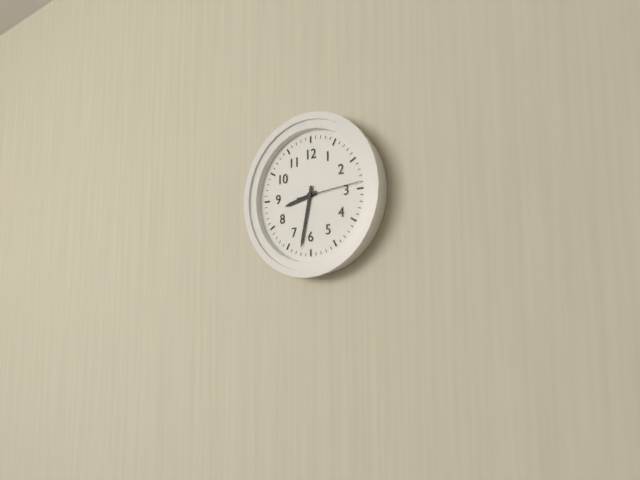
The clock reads {"hour": 8, "minute": 32, "second": 14}
